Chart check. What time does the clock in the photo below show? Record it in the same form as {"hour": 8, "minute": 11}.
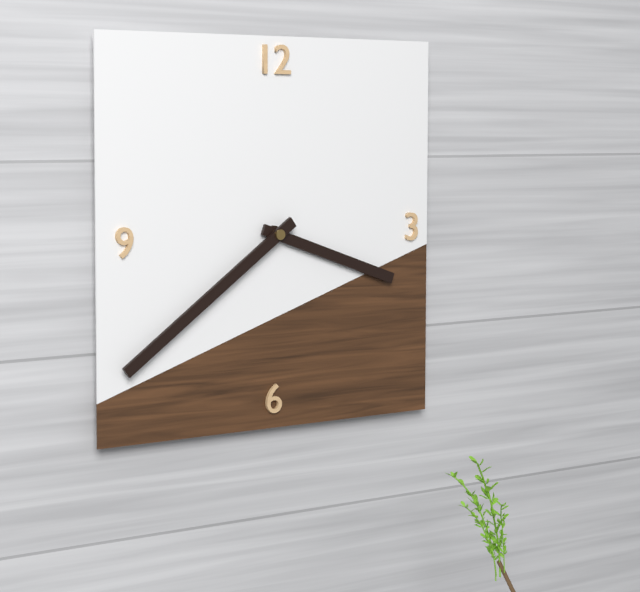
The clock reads {"hour": 3, "minute": 39}
